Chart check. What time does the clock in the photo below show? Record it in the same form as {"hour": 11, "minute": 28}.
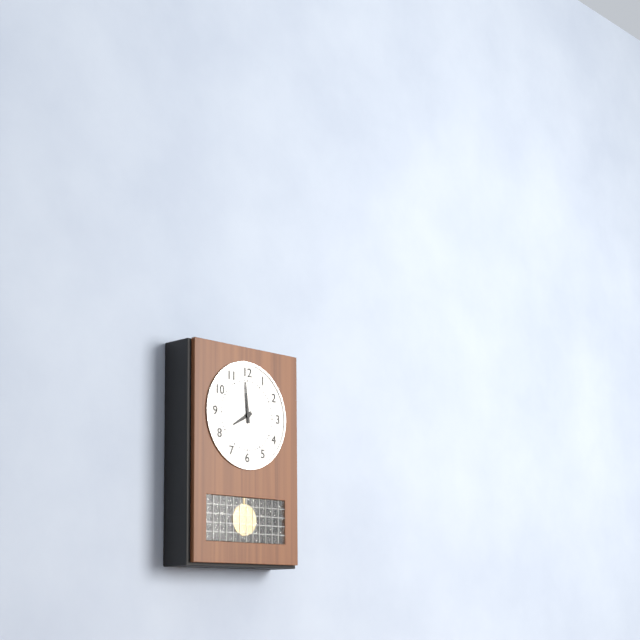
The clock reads {"hour": 7, "minute": 59}
